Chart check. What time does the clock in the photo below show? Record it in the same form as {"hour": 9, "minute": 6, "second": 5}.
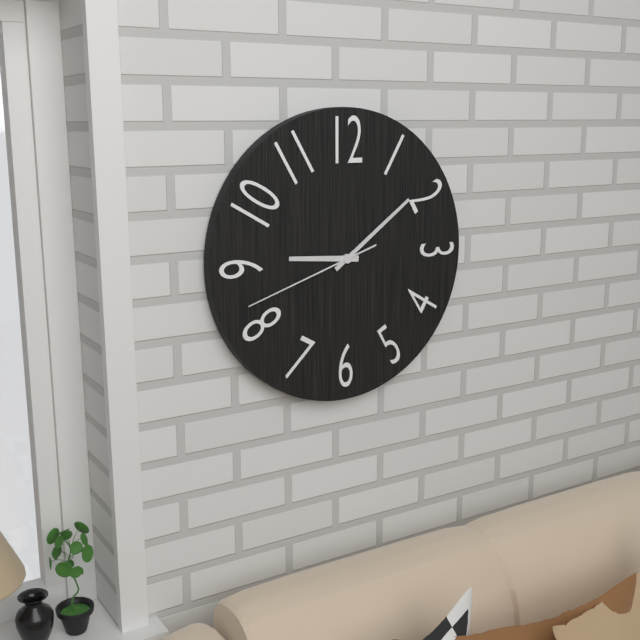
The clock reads {"hour": 9, "minute": 9, "second": 42}
